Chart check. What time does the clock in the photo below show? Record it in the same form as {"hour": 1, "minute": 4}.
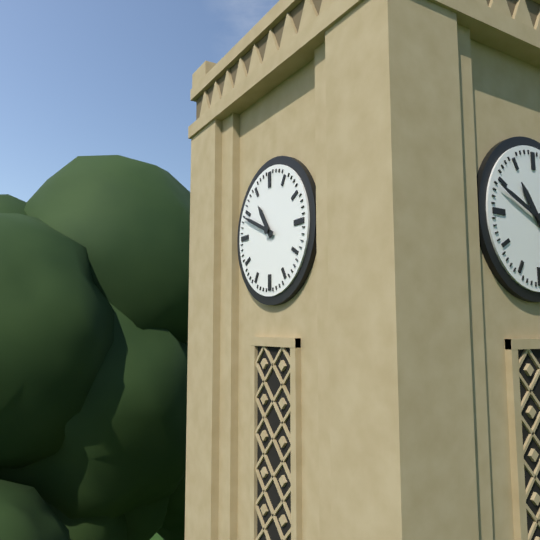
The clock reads {"hour": 10, "minute": 49}
